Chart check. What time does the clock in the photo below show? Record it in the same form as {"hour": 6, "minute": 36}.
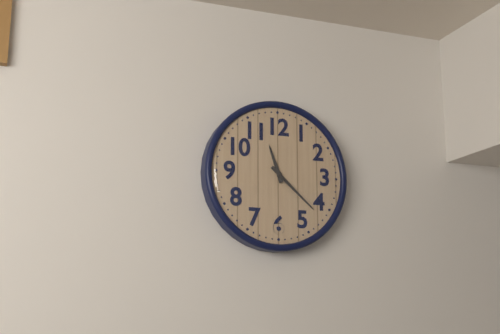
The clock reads {"hour": 11, "minute": 22}
